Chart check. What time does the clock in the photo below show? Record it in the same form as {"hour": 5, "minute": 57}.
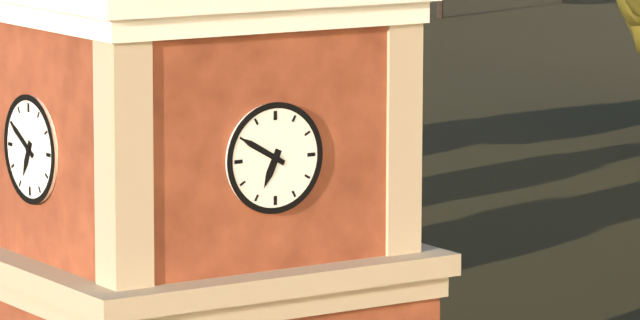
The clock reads {"hour": 6, "minute": 50}
